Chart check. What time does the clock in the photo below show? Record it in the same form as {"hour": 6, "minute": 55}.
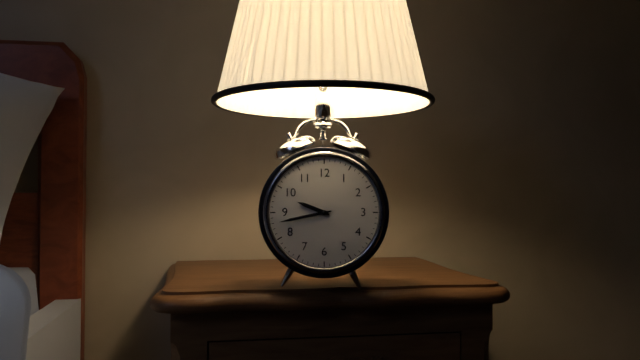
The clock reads {"hour": 9, "minute": 43}
